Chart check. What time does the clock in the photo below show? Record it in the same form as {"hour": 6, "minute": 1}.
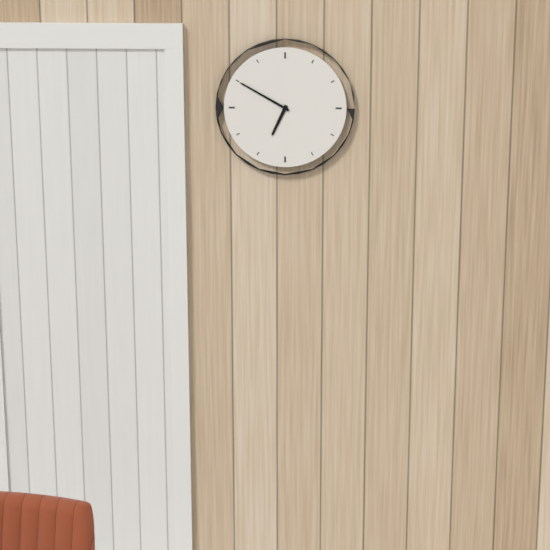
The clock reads {"hour": 6, "minute": 50}
